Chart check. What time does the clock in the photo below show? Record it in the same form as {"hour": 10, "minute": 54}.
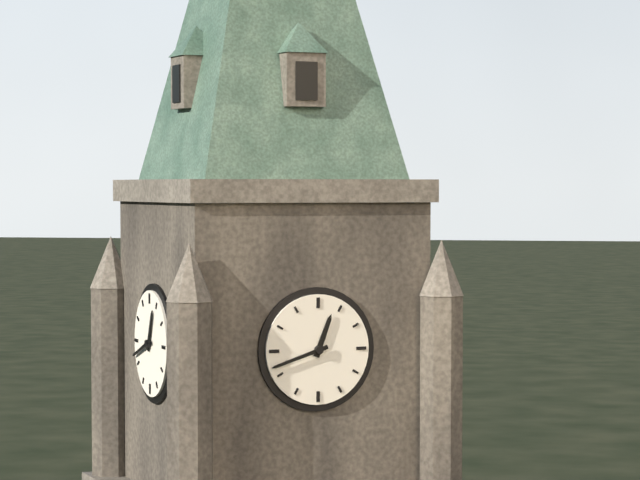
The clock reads {"hour": 12, "minute": 42}
